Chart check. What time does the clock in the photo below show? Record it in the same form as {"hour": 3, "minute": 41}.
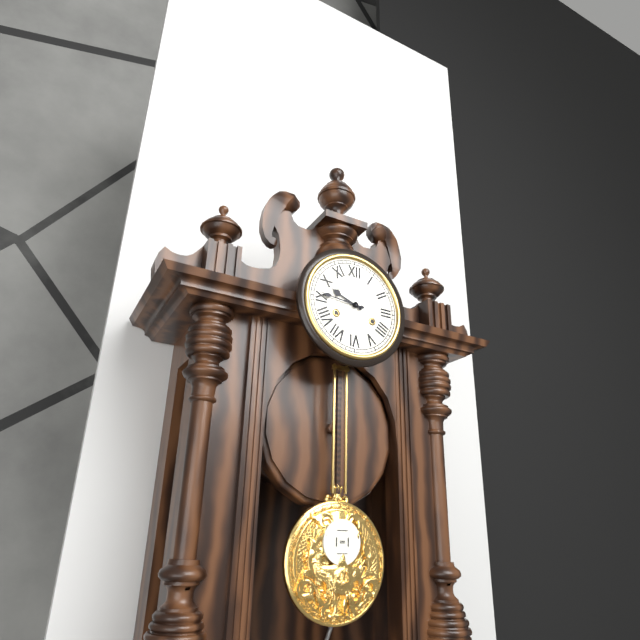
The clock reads {"hour": 9, "minute": 46}
